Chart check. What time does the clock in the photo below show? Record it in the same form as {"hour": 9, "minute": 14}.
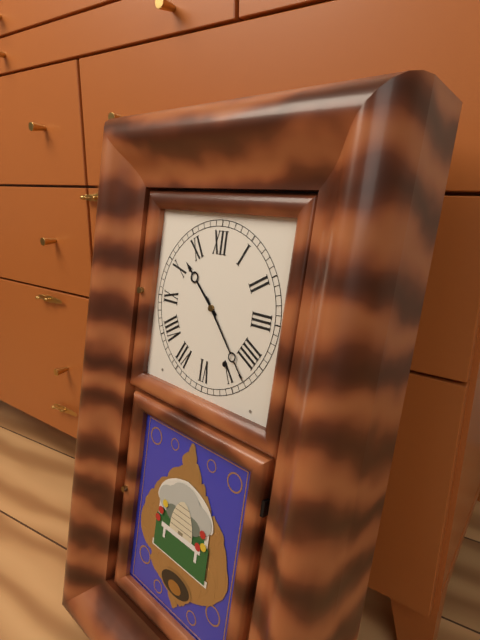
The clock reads {"hour": 10, "minute": 23}
